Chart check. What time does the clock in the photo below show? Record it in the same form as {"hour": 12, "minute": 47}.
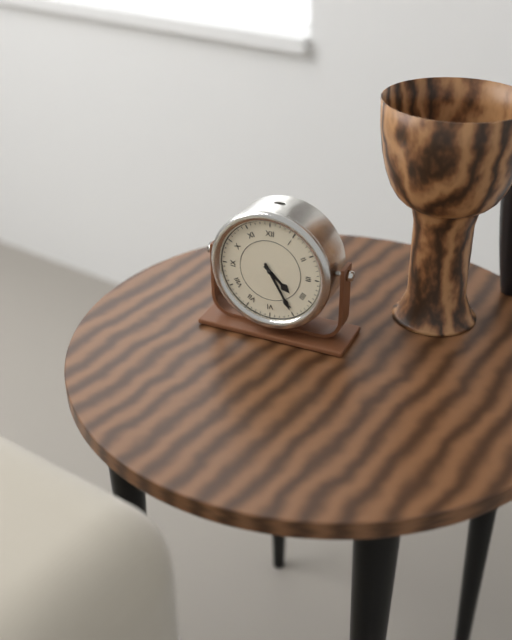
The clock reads {"hour": 4, "minute": 25}
